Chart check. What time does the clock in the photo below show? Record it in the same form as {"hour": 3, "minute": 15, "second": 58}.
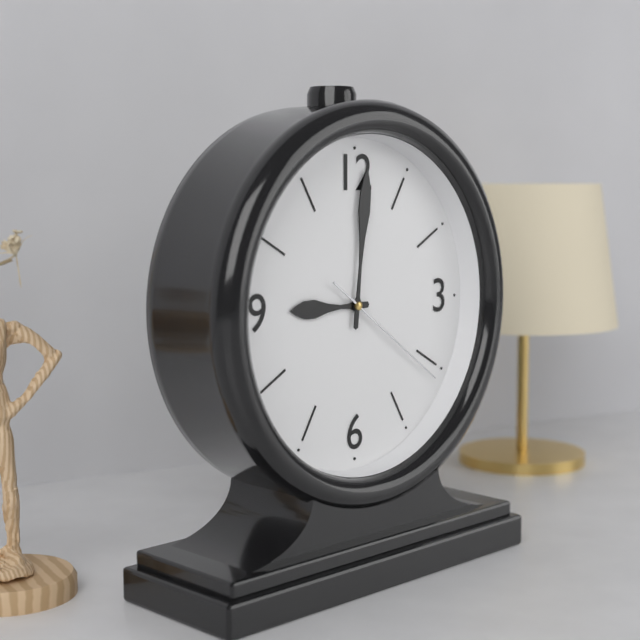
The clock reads {"hour": 9, "minute": 1, "second": 21}
